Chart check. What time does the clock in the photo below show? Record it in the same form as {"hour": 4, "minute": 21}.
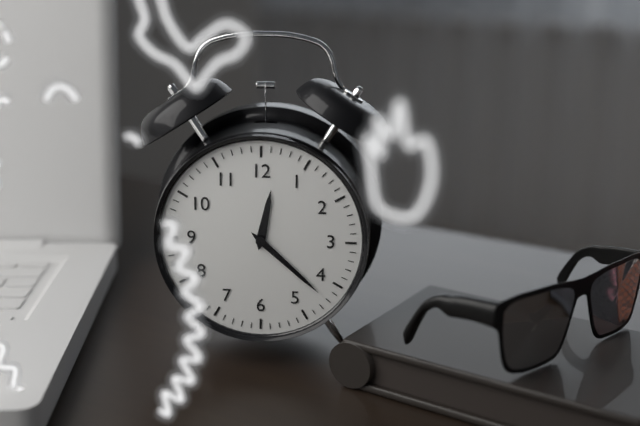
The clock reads {"hour": 12, "minute": 22}
